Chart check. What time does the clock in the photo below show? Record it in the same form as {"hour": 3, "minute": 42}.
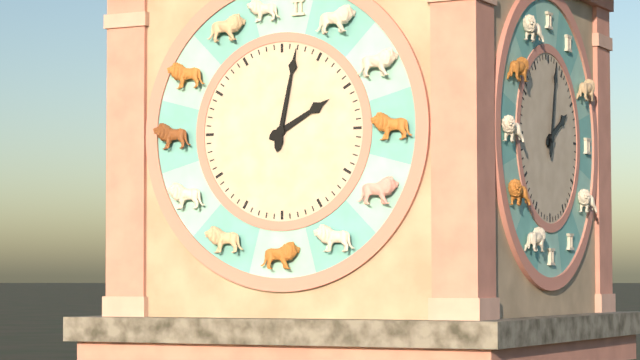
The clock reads {"hour": 2, "minute": 2}
